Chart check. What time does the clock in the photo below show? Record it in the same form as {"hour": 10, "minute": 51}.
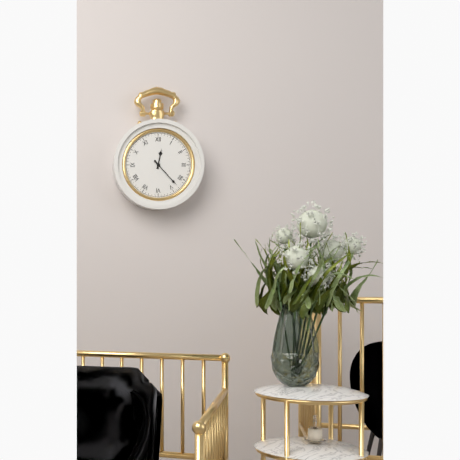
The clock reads {"hour": 12, "minute": 23}
